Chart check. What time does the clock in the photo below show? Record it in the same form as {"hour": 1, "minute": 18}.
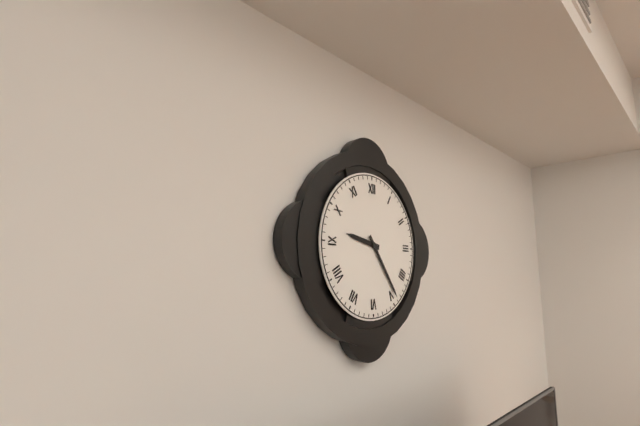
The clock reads {"hour": 9, "minute": 24}
